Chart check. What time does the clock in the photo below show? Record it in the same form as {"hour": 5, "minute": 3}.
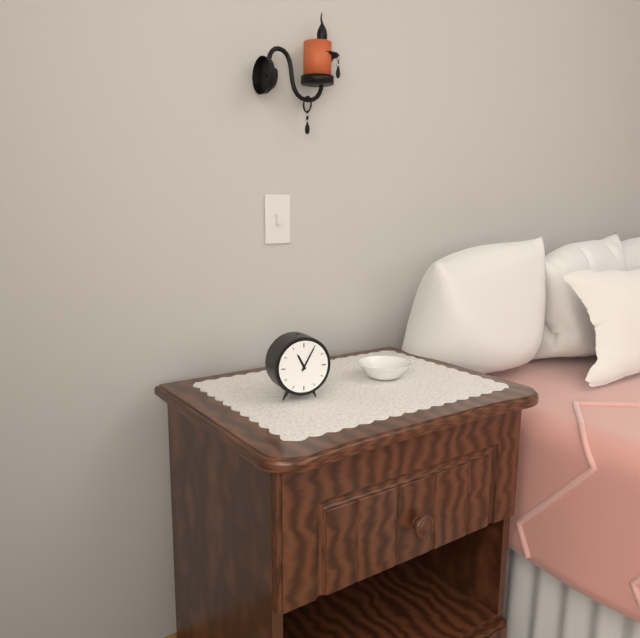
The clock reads {"hour": 11, "minute": 5}
